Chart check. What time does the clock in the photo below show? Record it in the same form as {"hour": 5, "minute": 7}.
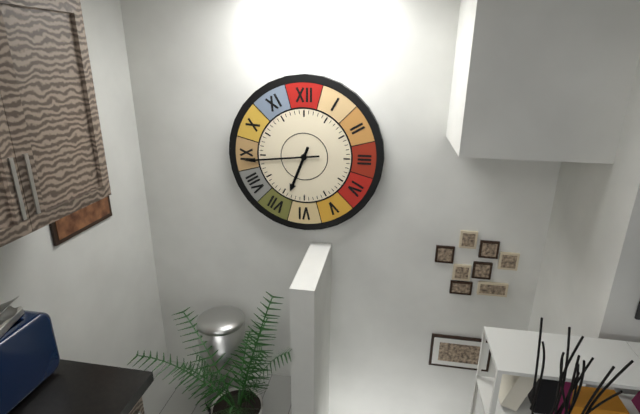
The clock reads {"hour": 6, "minute": 44}
